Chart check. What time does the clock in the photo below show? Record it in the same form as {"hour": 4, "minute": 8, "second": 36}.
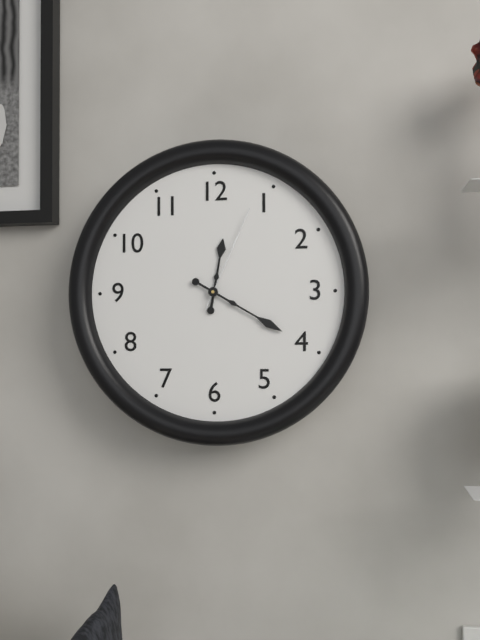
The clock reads {"hour": 12, "minute": 20, "second": 4}
